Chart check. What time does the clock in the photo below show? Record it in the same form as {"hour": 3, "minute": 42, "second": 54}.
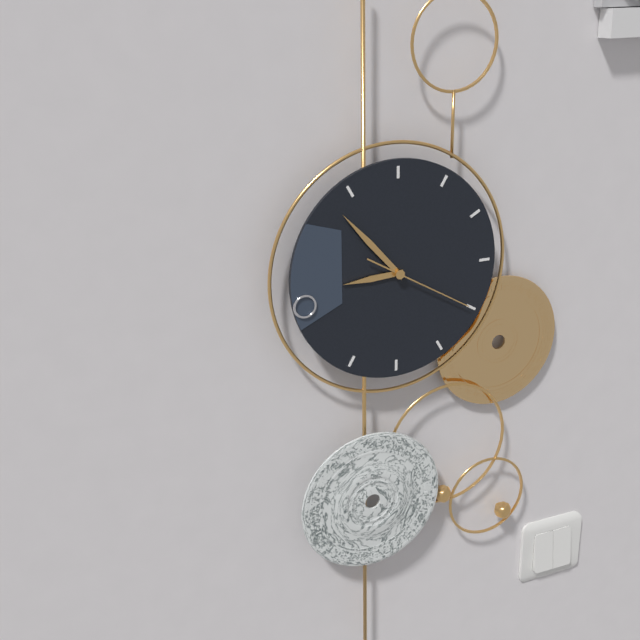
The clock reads {"hour": 8, "minute": 53, "second": 20}
